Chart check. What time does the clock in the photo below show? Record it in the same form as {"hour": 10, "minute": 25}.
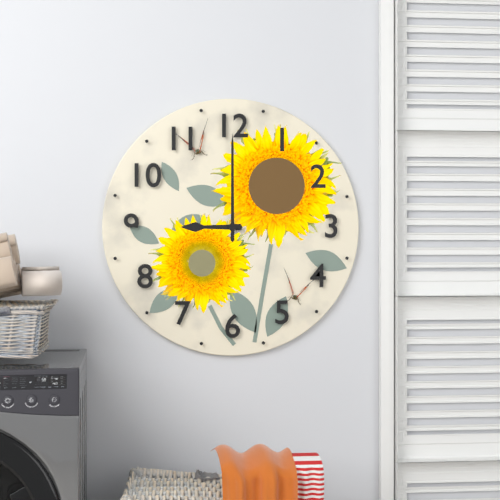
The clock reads {"hour": 9, "minute": 0}
